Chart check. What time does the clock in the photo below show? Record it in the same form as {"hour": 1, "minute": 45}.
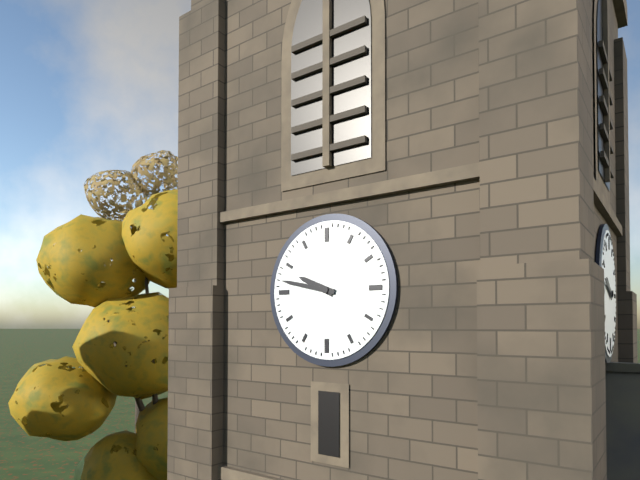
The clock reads {"hour": 9, "minute": 47}
